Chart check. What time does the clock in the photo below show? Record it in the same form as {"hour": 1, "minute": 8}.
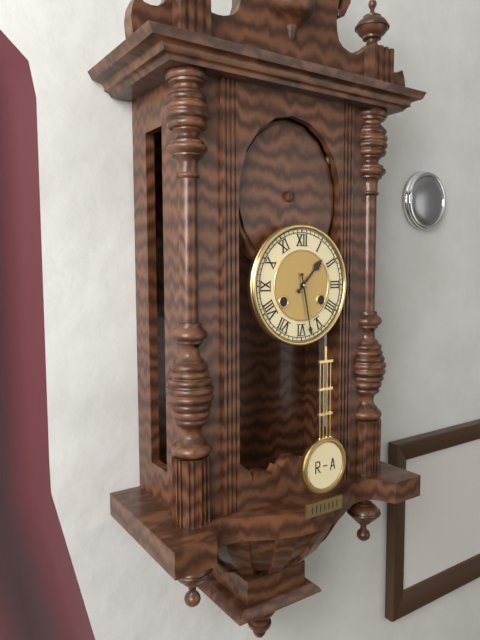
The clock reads {"hour": 1, "minute": 28}
